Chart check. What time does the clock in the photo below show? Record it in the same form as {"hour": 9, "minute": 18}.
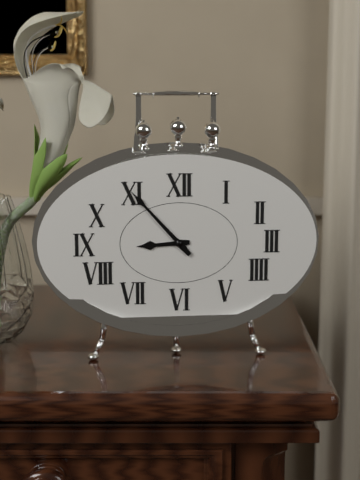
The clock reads {"hour": 8, "minute": 53}
